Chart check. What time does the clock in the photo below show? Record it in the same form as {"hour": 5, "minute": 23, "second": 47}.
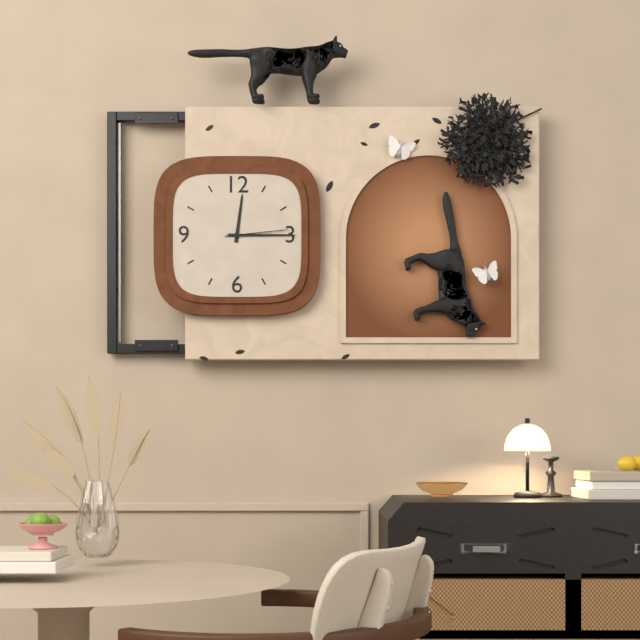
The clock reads {"hour": 12, "minute": 15, "second": 14}
